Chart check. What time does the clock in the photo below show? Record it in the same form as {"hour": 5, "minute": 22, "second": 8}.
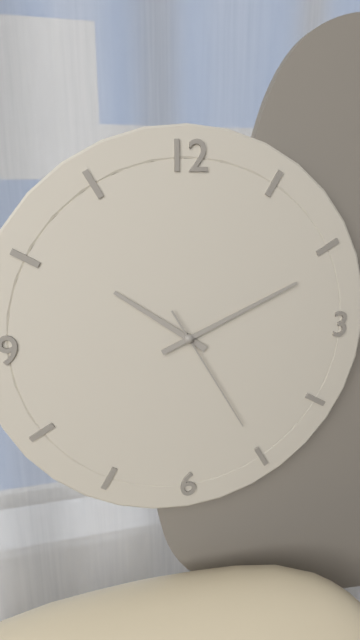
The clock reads {"hour": 10, "minute": 11, "second": 25}
